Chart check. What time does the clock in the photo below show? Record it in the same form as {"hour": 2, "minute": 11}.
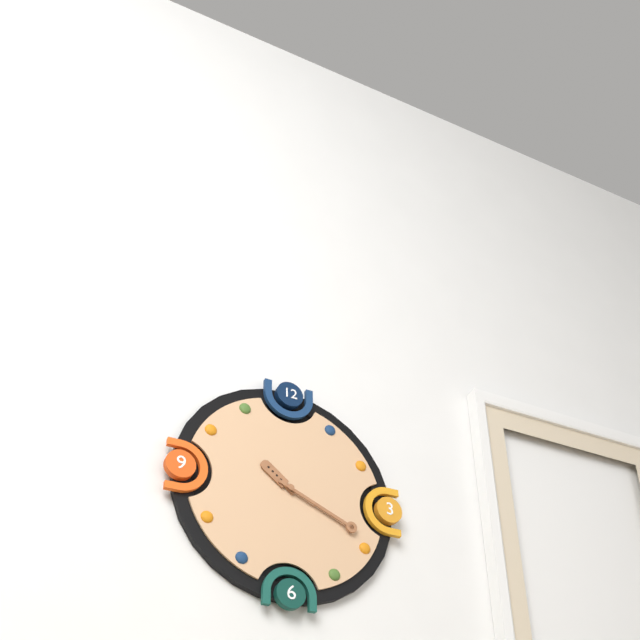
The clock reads {"hour": 10, "minute": 19}
